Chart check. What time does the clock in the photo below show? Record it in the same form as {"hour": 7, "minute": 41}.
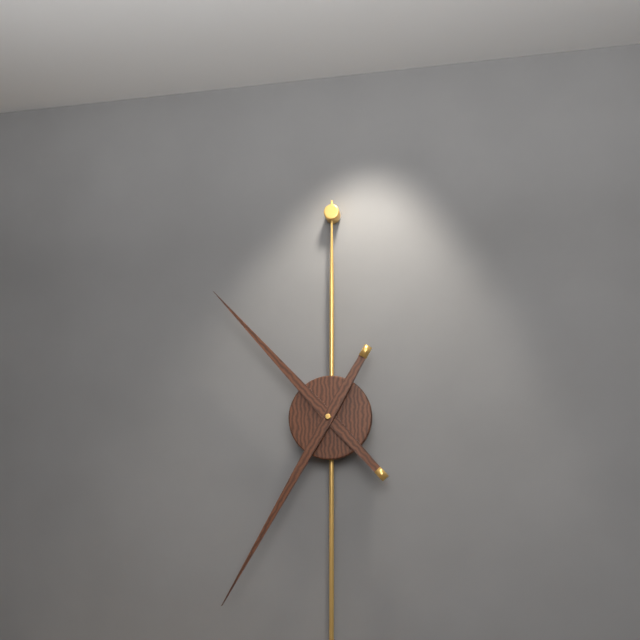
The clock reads {"hour": 10, "minute": 35}
